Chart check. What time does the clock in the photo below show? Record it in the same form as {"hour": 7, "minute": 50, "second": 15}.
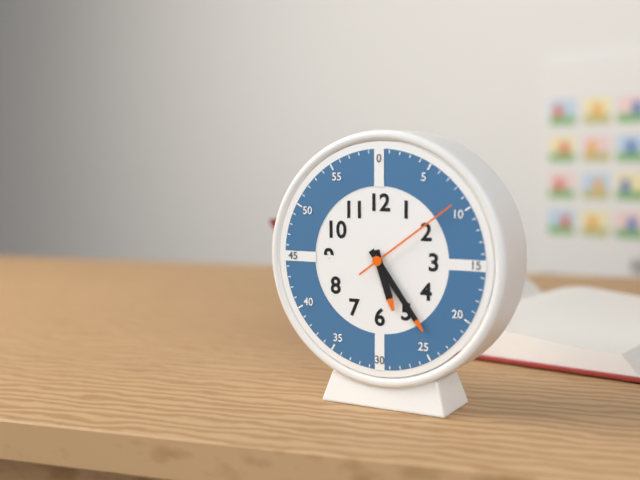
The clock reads {"hour": 5, "minute": 24, "second": 9}
